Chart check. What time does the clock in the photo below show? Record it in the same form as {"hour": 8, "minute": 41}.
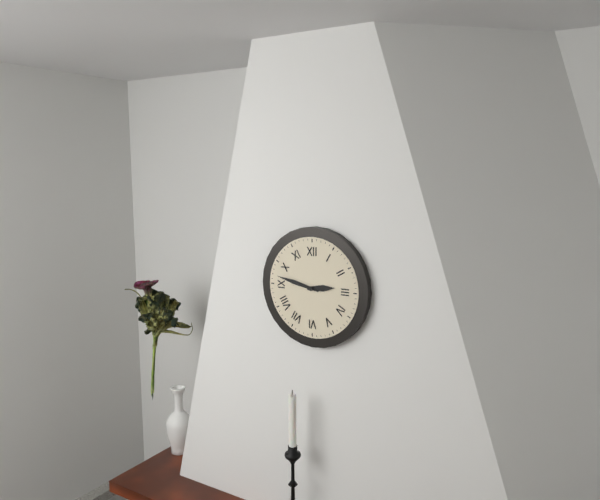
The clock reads {"hour": 2, "minute": 47}
